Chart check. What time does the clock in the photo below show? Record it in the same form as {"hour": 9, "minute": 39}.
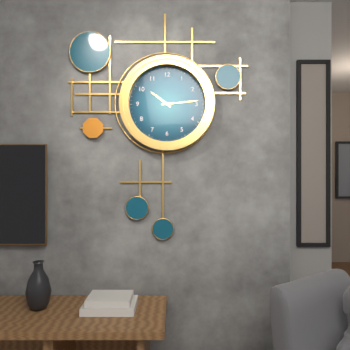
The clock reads {"hour": 10, "minute": 14}
